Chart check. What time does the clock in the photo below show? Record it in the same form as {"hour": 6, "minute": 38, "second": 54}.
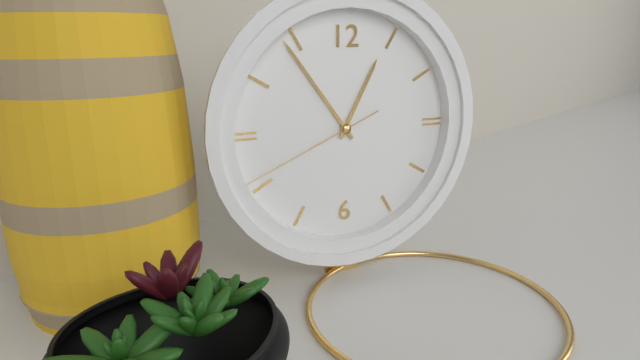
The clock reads {"hour": 12, "minute": 54, "second": 41}
